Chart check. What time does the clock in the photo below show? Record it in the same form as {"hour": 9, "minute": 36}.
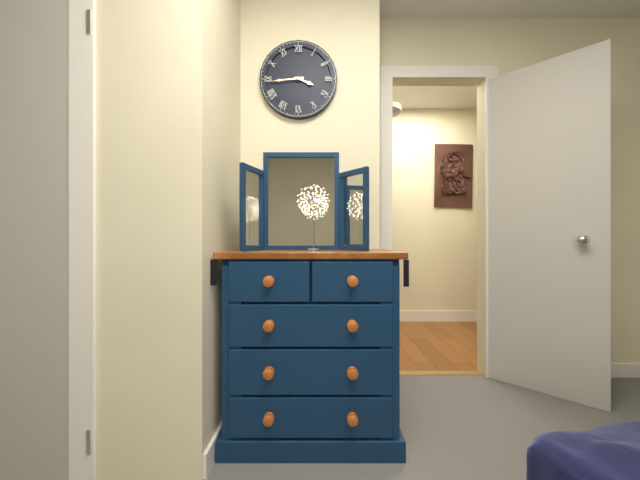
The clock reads {"hour": 3, "minute": 44}
